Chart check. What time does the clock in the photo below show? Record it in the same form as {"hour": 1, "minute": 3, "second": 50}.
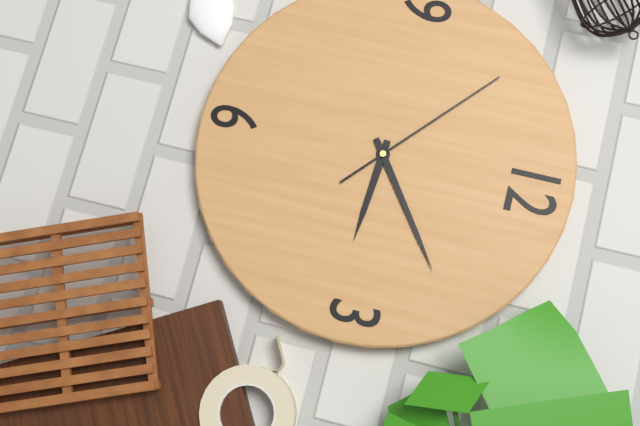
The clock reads {"hour": 3, "minute": 9, "second": 52}
